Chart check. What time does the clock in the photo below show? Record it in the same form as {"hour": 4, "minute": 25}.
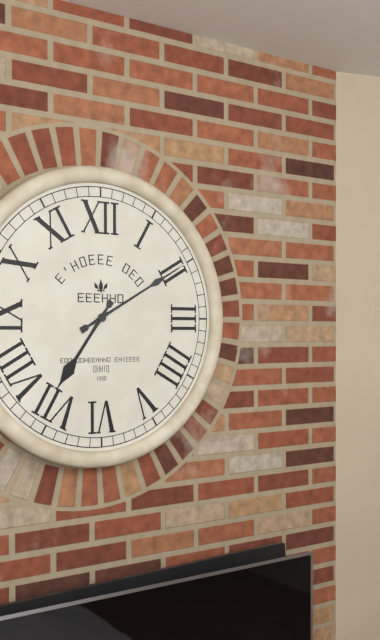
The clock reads {"hour": 7, "minute": 10}
